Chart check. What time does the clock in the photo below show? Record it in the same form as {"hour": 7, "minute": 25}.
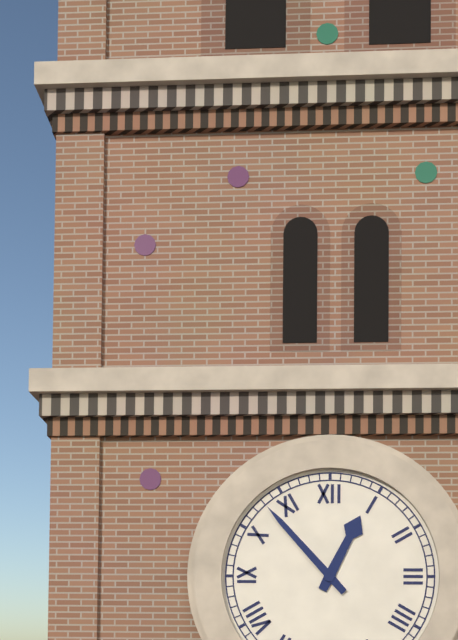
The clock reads {"hour": 12, "minute": 53}
